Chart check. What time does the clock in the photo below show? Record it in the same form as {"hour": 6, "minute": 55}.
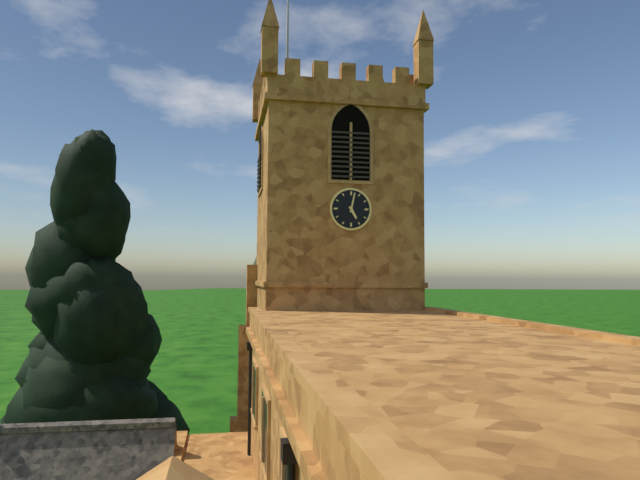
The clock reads {"hour": 5, "minute": 2}
